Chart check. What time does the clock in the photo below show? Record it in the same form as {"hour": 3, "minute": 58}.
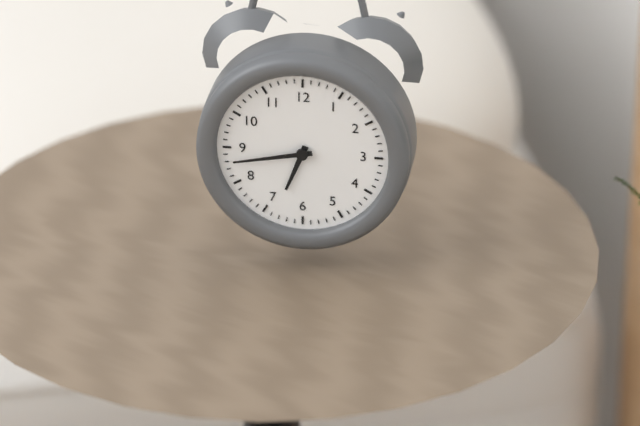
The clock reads {"hour": 6, "minute": 43}
